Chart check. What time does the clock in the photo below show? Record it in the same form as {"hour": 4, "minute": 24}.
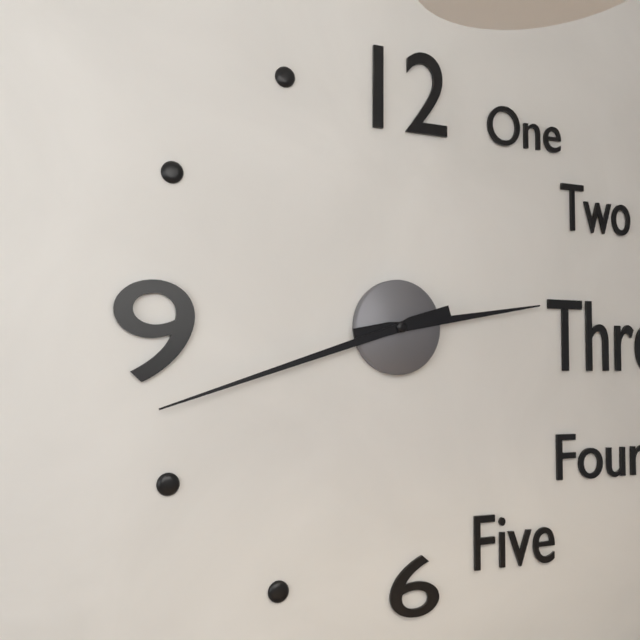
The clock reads {"hour": 2, "minute": 42}
